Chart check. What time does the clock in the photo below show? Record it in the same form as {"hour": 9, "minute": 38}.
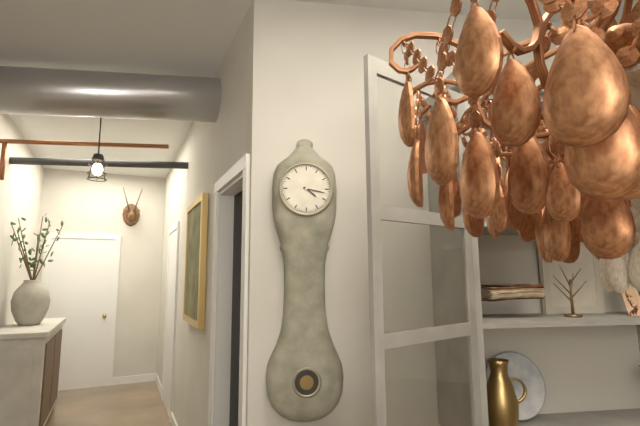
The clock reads {"hour": 4, "minute": 17}
